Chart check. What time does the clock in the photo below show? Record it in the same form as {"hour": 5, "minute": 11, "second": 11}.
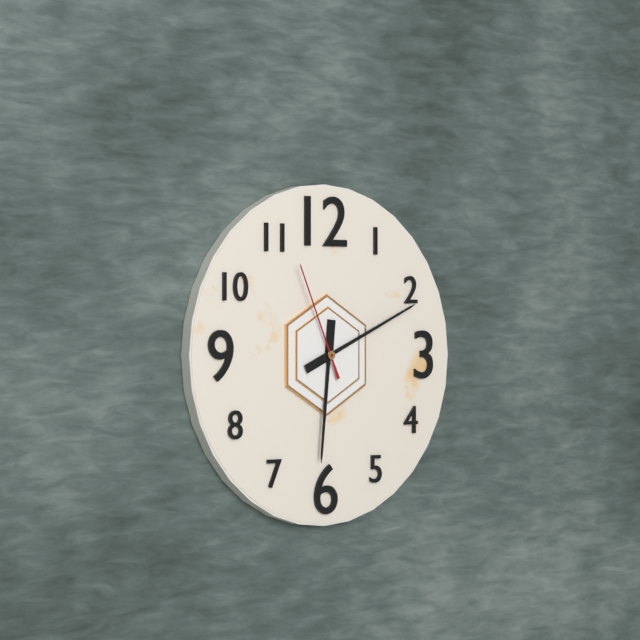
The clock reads {"hour": 6, "minute": 11, "second": 56}
